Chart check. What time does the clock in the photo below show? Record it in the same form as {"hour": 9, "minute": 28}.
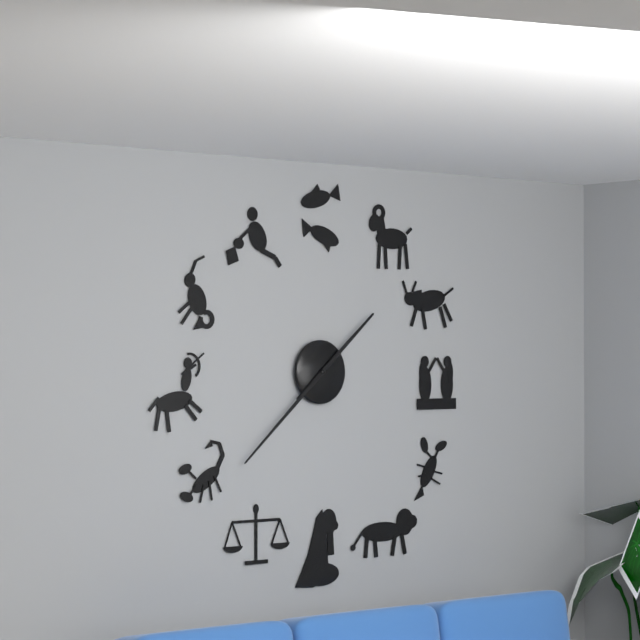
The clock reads {"hour": 1, "minute": 38}
